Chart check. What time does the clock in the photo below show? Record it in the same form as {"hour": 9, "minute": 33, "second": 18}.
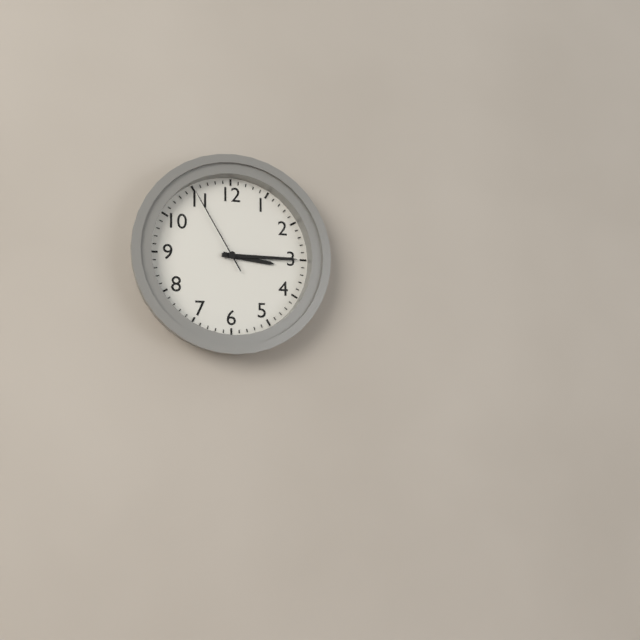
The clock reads {"hour": 3, "minute": 15, "second": 55}
